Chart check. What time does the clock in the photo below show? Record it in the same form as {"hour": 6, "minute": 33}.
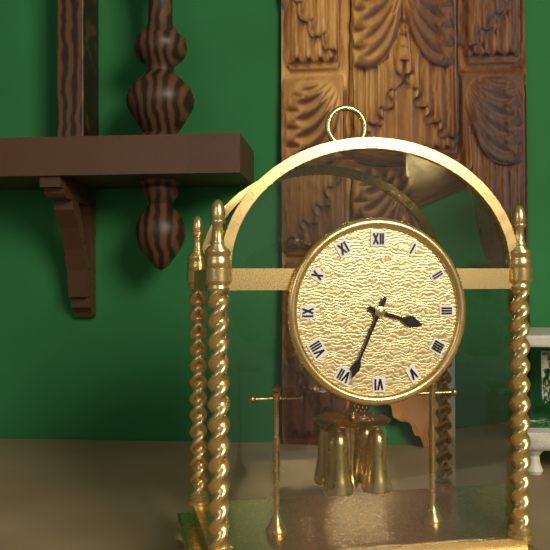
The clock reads {"hour": 3, "minute": 34}
